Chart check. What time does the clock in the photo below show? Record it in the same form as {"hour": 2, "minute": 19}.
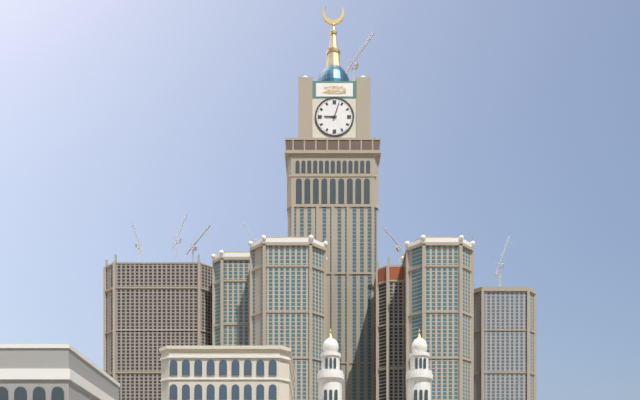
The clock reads {"hour": 9, "minute": 3}
